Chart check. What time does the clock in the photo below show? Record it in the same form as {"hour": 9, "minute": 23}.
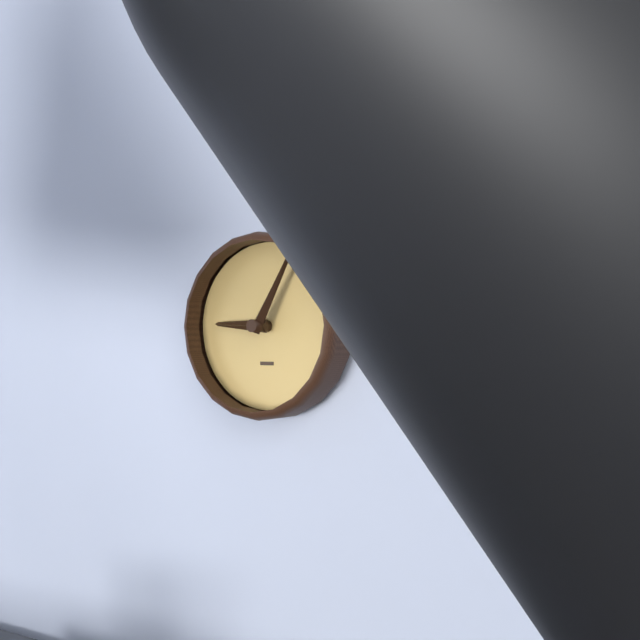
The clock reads {"hour": 9, "minute": 5}
